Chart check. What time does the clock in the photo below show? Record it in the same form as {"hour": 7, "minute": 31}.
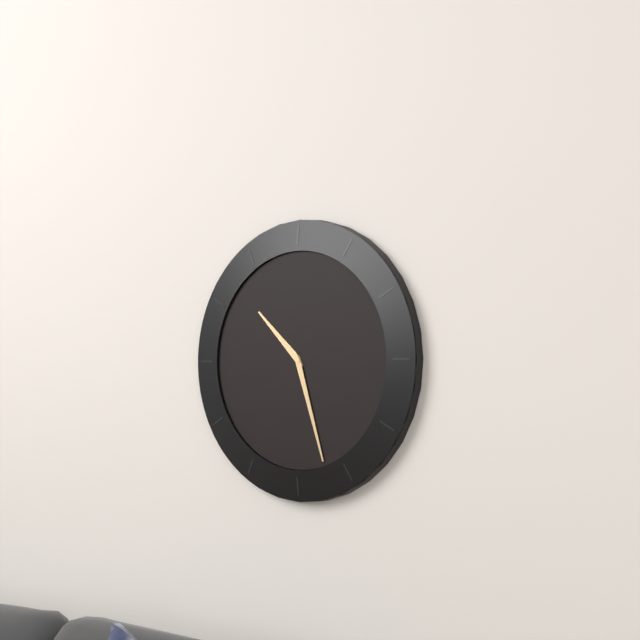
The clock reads {"hour": 10, "minute": 27}
